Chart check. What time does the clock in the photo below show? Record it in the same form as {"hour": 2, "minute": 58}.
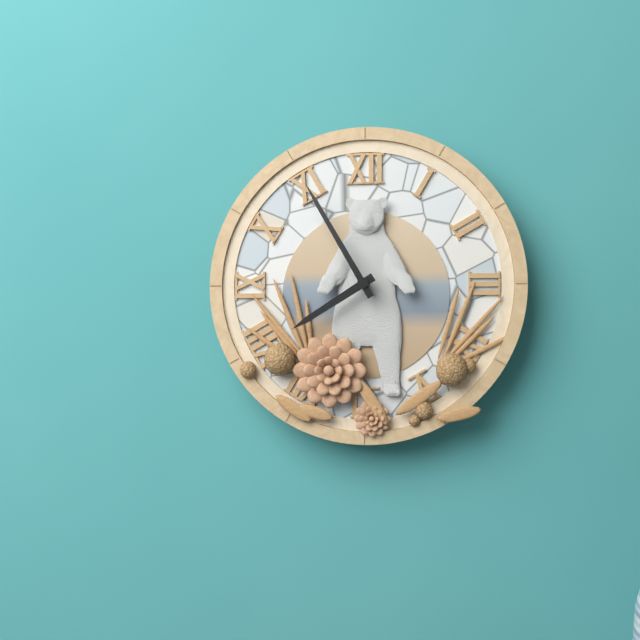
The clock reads {"hour": 7, "minute": 55}
